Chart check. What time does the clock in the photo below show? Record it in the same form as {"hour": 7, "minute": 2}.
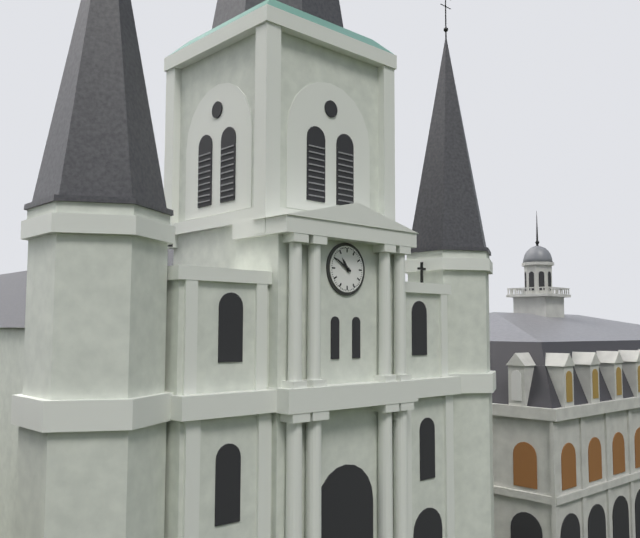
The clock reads {"hour": 10, "minute": 50}
